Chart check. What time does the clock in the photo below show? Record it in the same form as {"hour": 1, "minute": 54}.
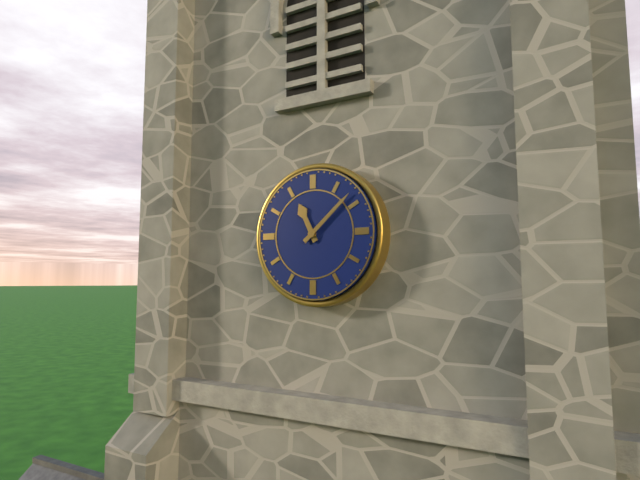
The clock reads {"hour": 11, "minute": 8}
